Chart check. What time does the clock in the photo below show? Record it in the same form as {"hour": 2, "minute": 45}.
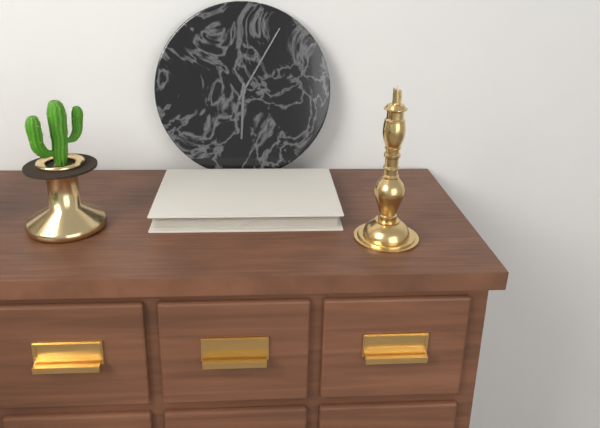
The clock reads {"hour": 6, "minute": 5}
